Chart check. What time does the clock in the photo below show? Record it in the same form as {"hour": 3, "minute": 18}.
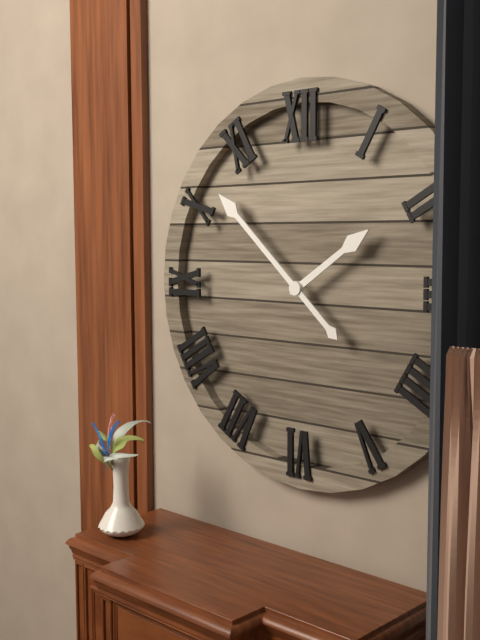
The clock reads {"hour": 1, "minute": 52}
